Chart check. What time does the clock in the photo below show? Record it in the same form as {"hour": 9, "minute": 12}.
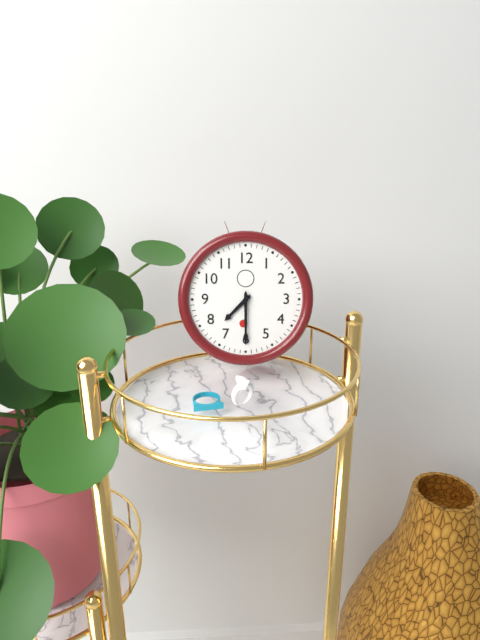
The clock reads {"hour": 7, "minute": 30}
